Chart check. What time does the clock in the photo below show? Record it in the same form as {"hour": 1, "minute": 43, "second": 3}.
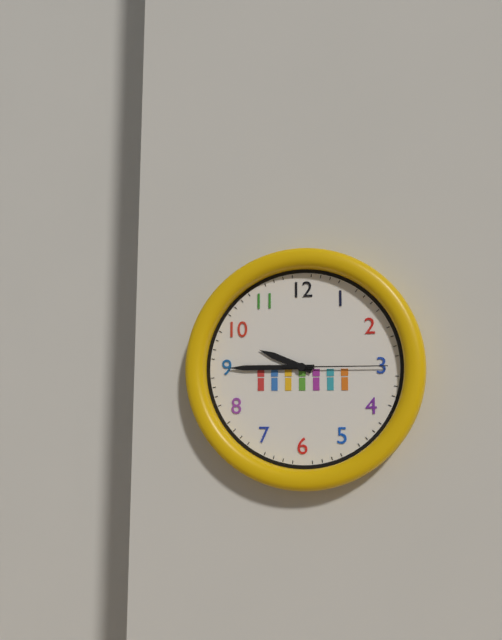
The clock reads {"hour": 9, "minute": 45, "second": 15}
